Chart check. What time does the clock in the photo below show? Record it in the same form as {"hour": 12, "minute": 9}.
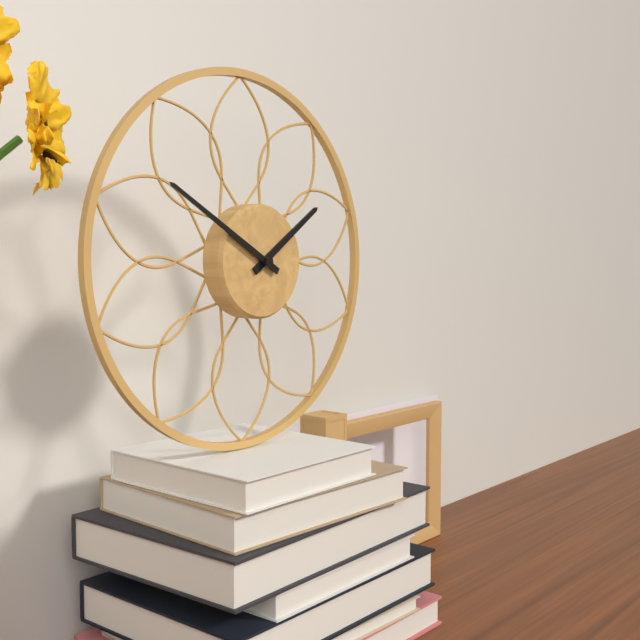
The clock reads {"hour": 1, "minute": 50}
